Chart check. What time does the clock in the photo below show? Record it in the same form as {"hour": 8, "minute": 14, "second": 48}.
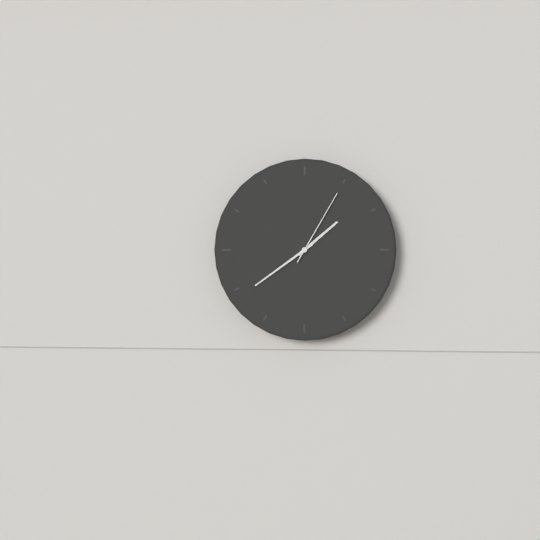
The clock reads {"hour": 1, "minute": 39, "second": 5}
